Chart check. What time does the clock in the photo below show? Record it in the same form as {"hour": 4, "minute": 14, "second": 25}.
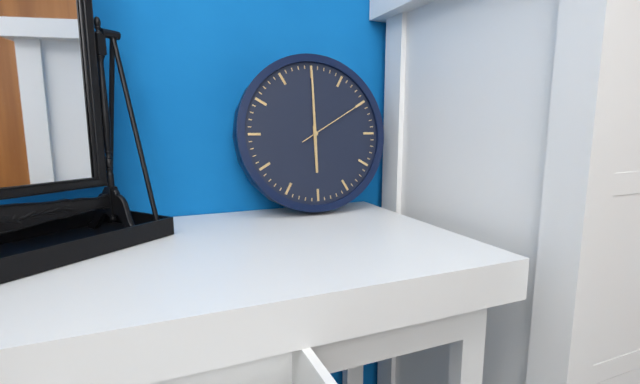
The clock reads {"hour": 6, "minute": 0, "second": 10}
